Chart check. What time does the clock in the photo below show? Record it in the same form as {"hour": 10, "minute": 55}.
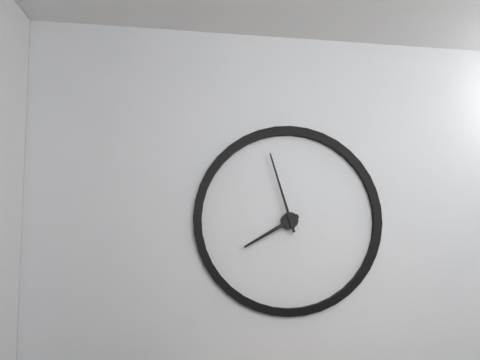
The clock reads {"hour": 7, "minute": 57}
